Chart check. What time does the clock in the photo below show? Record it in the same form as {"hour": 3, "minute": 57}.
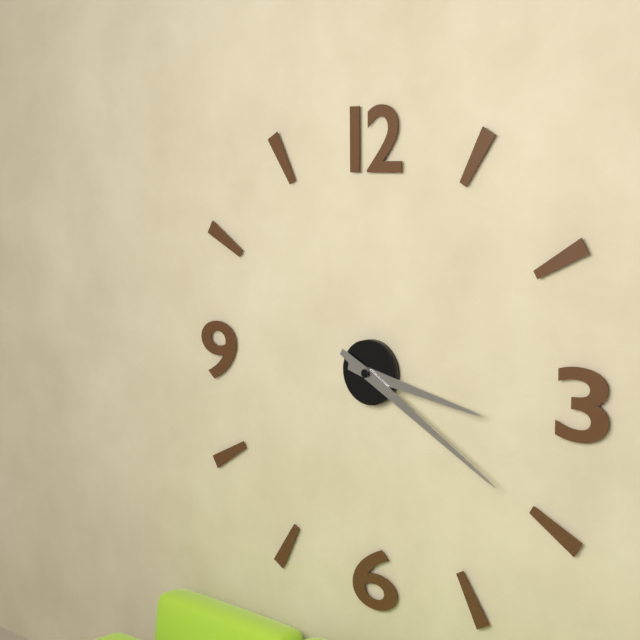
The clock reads {"hour": 3, "minute": 20}
